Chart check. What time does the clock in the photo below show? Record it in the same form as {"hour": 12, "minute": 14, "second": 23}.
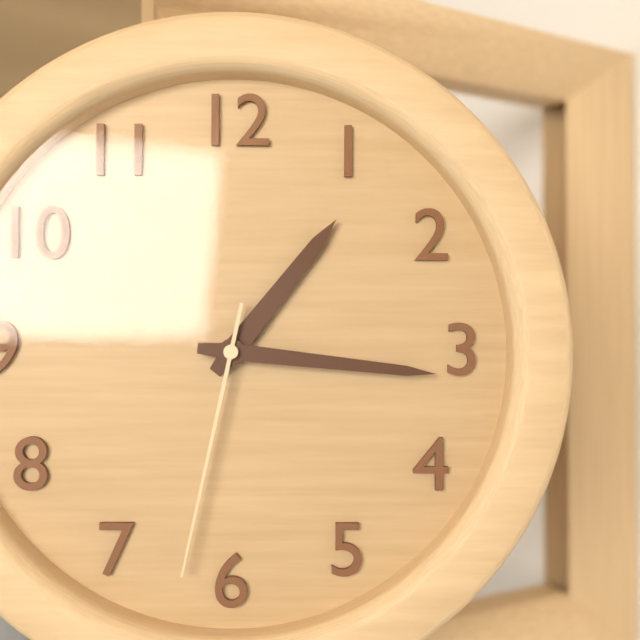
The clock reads {"hour": 1, "minute": 16, "second": 32}
